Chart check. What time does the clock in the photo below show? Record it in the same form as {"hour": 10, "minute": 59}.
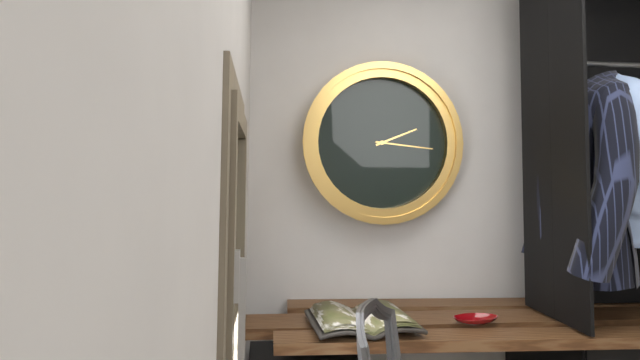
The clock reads {"hour": 2, "minute": 16}
